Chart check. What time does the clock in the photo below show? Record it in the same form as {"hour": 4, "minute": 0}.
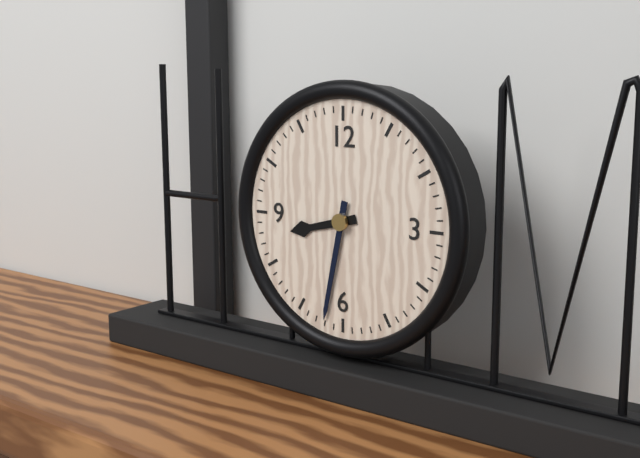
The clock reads {"hour": 8, "minute": 32}
